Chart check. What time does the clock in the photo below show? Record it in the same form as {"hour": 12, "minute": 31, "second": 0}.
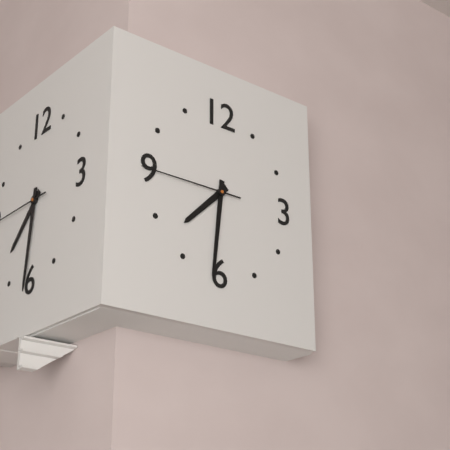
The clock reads {"hour": 7, "minute": 31, "second": 45}
